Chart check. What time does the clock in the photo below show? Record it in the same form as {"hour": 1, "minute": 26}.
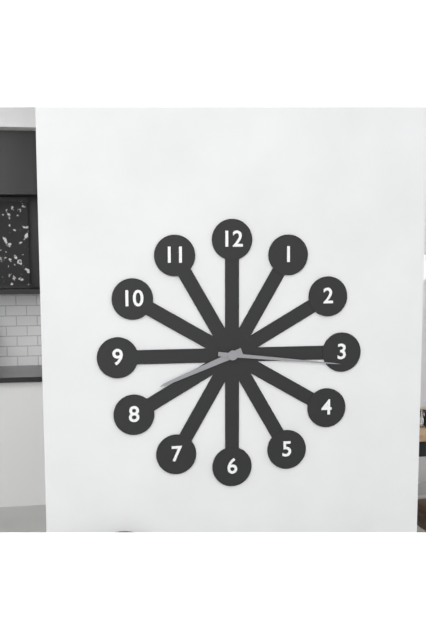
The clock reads {"hour": 8, "minute": 16}
